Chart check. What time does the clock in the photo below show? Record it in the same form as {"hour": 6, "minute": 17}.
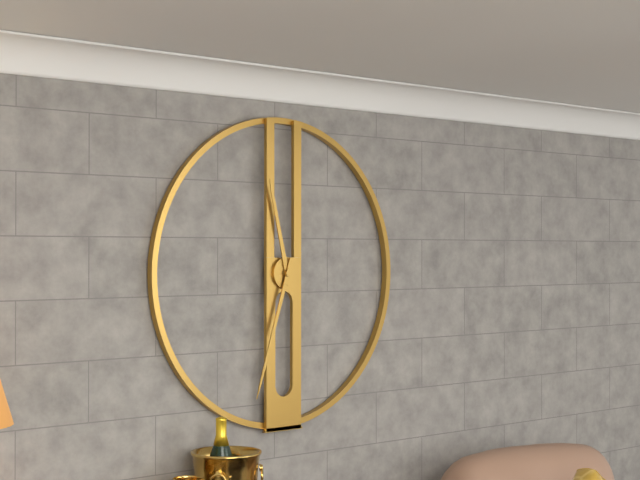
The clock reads {"hour": 11, "minute": 33}
